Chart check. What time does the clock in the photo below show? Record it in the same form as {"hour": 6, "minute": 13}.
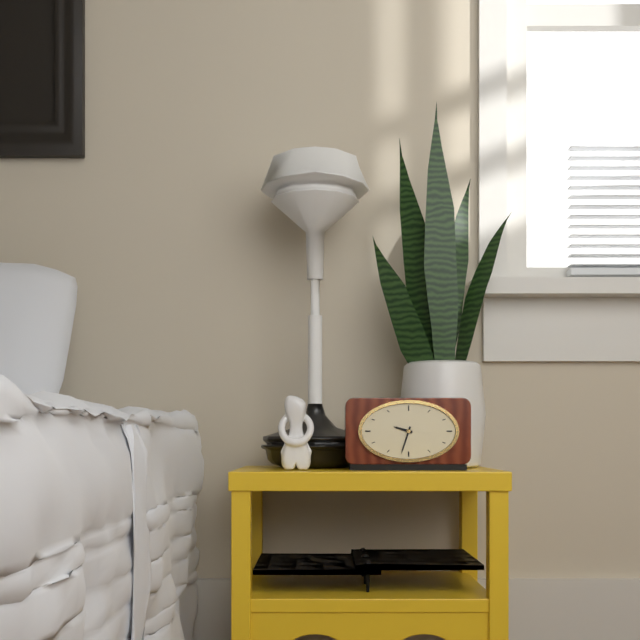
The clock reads {"hour": 9, "minute": 33}
